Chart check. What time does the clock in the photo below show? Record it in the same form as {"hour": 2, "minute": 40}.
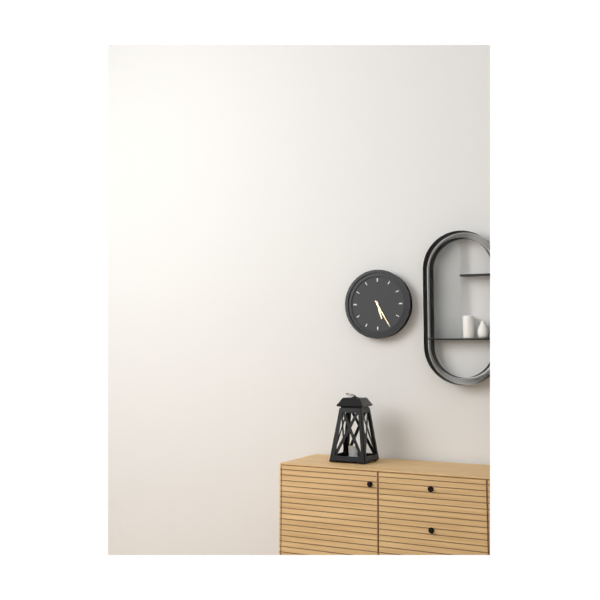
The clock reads {"hour": 5, "minute": 25}
